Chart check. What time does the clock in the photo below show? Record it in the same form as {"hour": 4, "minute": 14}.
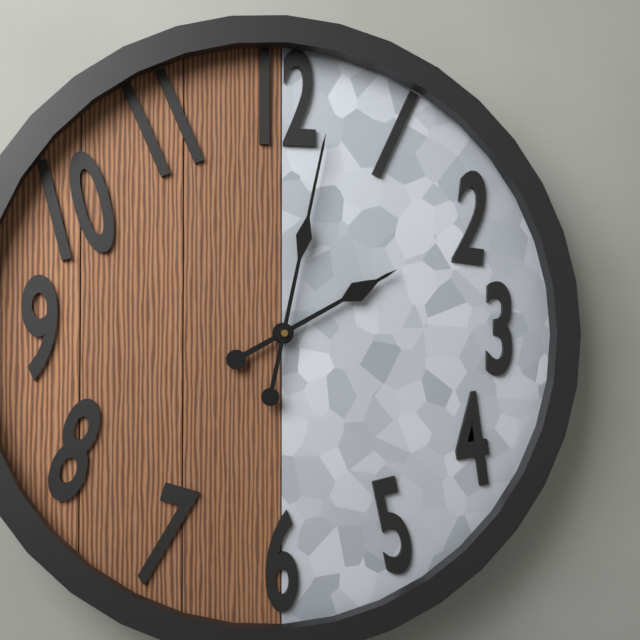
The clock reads {"hour": 2, "minute": 2}
